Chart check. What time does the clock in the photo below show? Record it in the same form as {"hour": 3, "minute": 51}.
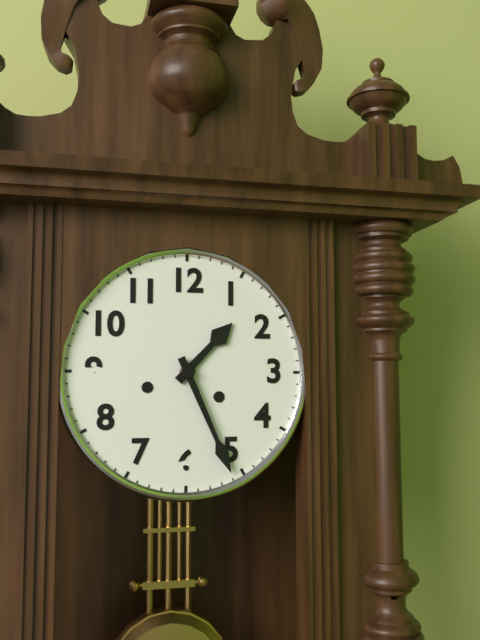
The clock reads {"hour": 1, "minute": 26}
